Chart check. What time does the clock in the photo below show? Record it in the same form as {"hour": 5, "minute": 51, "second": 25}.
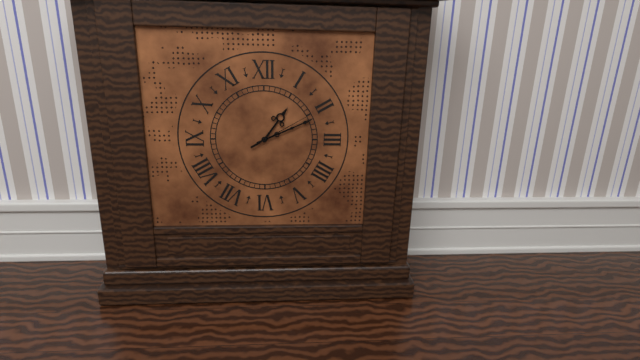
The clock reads {"hour": 1, "minute": 11, "second": 10}
